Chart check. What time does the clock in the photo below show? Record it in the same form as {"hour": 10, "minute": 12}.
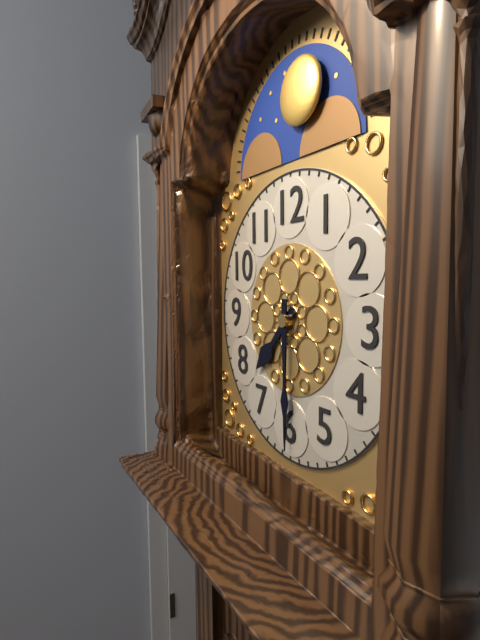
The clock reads {"hour": 7, "minute": 30}
